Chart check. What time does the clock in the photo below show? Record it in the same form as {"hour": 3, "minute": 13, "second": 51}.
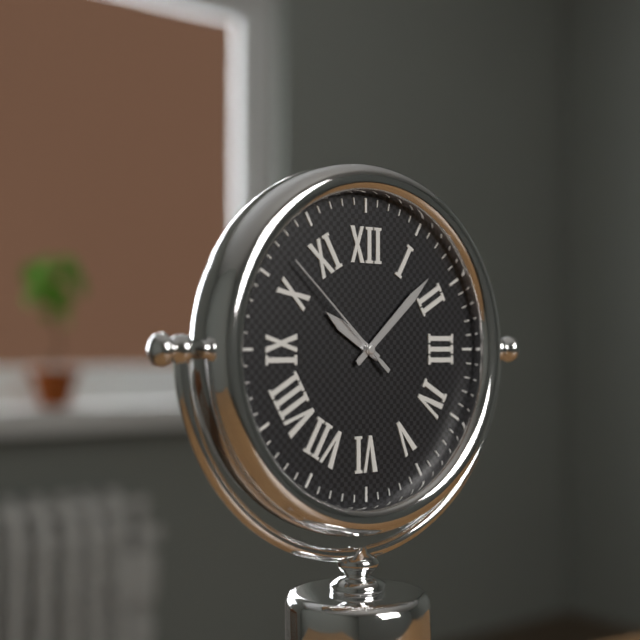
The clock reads {"hour": 10, "minute": 8, "second": 52}
